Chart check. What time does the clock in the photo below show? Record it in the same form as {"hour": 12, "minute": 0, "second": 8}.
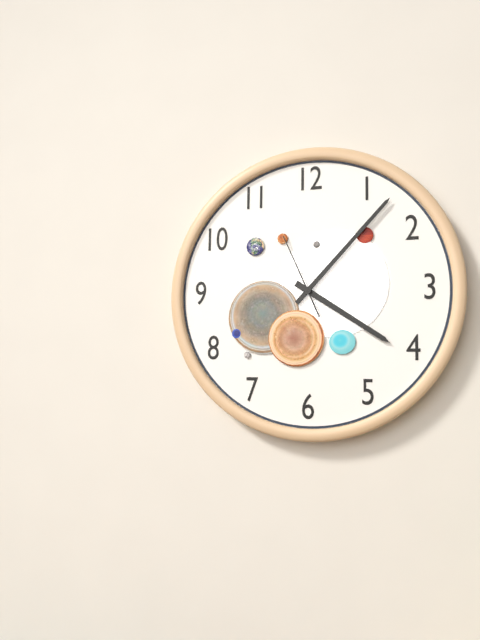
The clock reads {"hour": 4, "minute": 7, "second": 56}
